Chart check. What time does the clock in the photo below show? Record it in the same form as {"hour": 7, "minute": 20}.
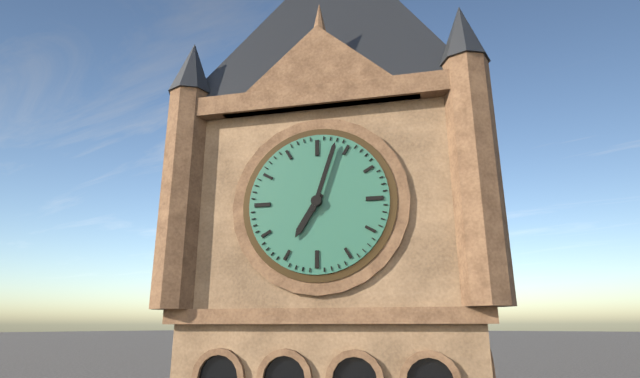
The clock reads {"hour": 7, "minute": 3}
